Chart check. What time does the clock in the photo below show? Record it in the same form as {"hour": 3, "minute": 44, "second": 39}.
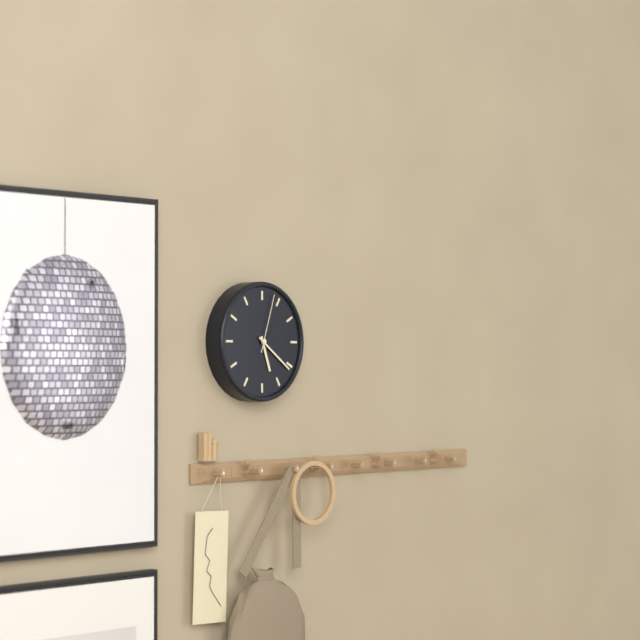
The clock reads {"hour": 5, "minute": 21, "second": 3}
